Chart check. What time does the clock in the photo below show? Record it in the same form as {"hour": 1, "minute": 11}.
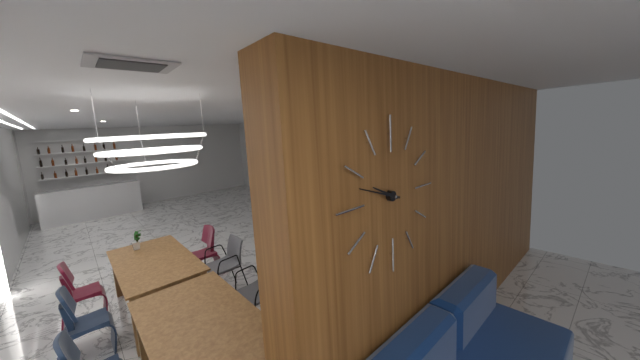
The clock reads {"hour": 9, "minute": 48}
